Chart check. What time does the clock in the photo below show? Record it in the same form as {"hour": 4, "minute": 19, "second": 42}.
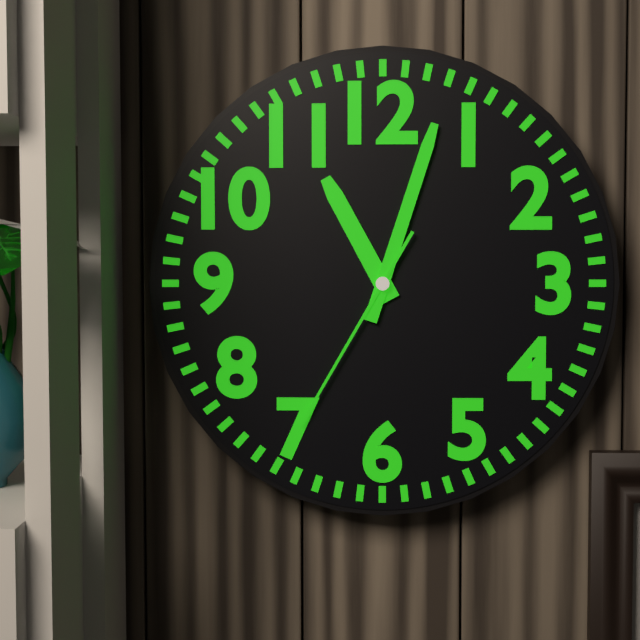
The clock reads {"hour": 11, "minute": 3, "second": 35}
